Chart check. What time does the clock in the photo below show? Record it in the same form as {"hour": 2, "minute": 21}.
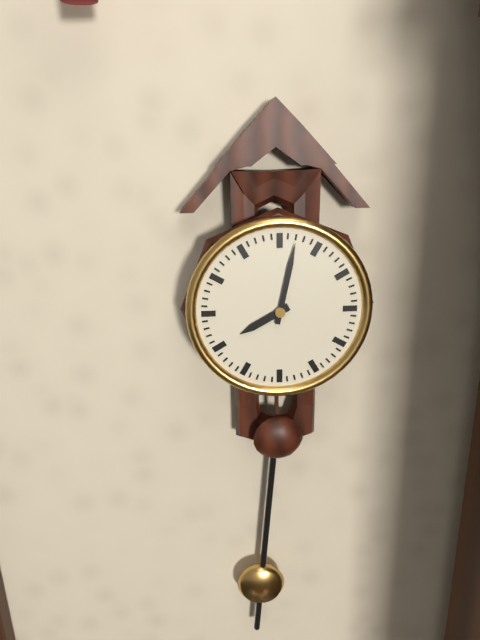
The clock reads {"hour": 8, "minute": 2}
